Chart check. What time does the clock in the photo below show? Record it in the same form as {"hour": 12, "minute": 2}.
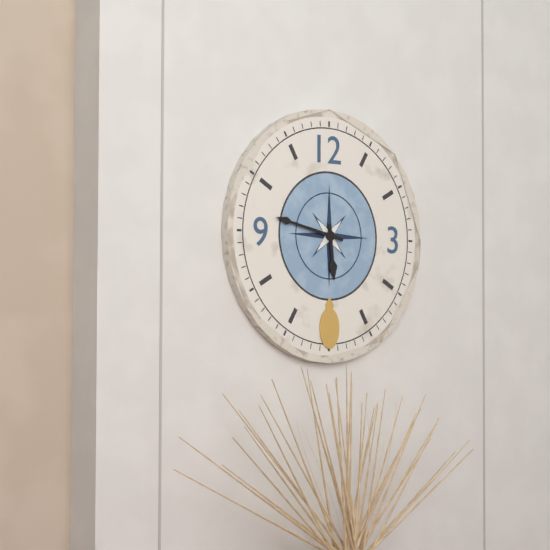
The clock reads {"hour": 5, "minute": 47}
